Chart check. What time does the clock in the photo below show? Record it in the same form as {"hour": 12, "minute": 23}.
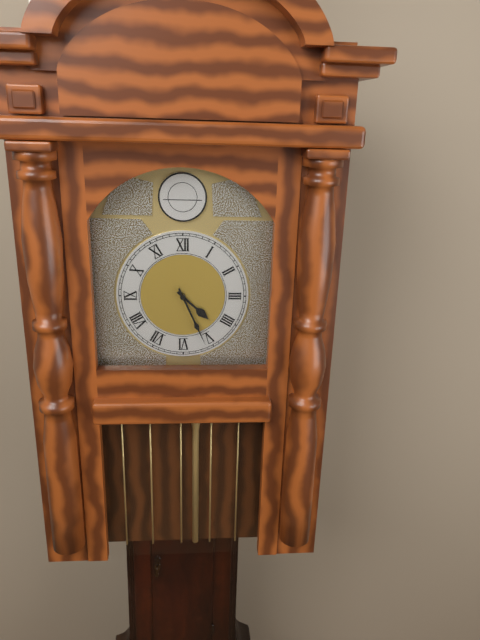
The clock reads {"hour": 4, "minute": 26}
